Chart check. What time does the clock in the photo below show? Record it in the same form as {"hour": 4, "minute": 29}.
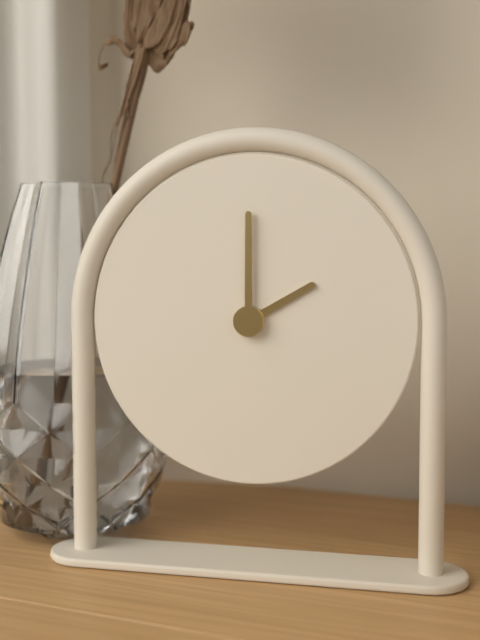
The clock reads {"hour": 2, "minute": 0}
